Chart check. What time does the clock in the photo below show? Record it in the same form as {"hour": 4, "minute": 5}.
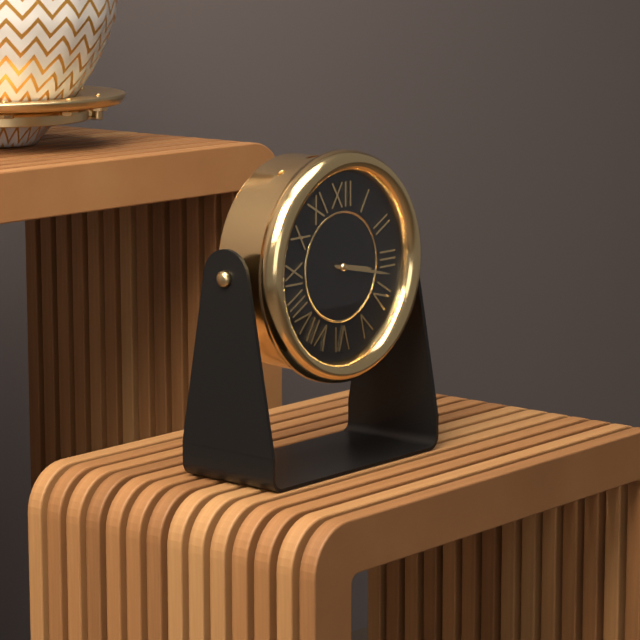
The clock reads {"hour": 3, "minute": 17}
